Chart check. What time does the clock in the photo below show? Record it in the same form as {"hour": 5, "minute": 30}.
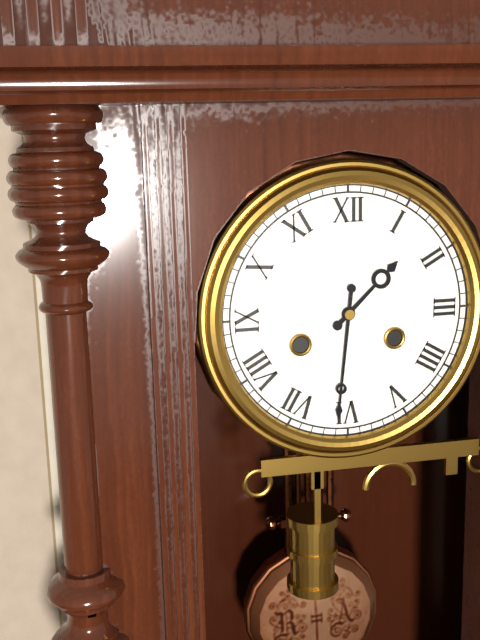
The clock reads {"hour": 1, "minute": 31}
